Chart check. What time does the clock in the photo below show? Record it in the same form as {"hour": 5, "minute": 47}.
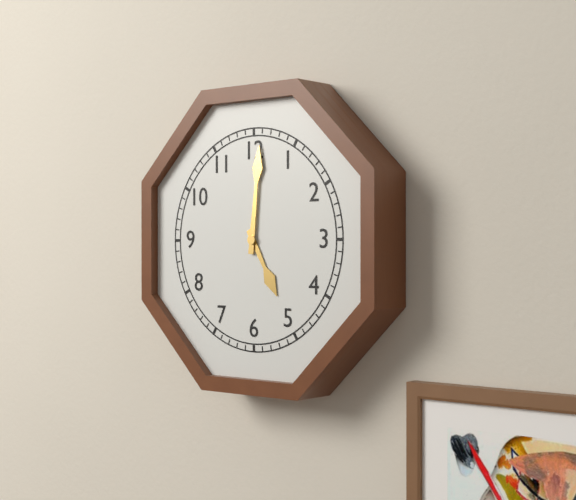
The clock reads {"hour": 5, "minute": 1}
